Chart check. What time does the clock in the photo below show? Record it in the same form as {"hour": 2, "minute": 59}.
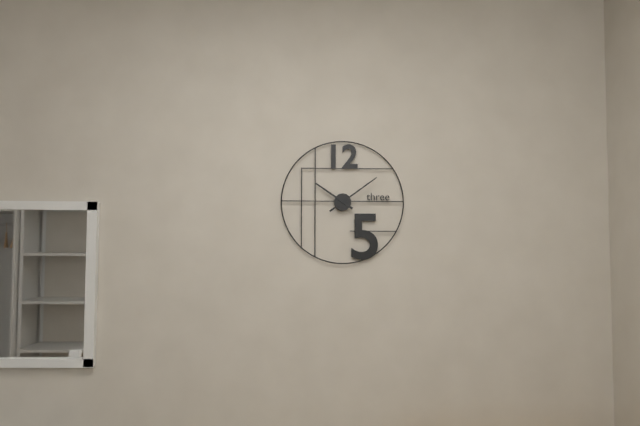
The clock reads {"hour": 10, "minute": 9}
